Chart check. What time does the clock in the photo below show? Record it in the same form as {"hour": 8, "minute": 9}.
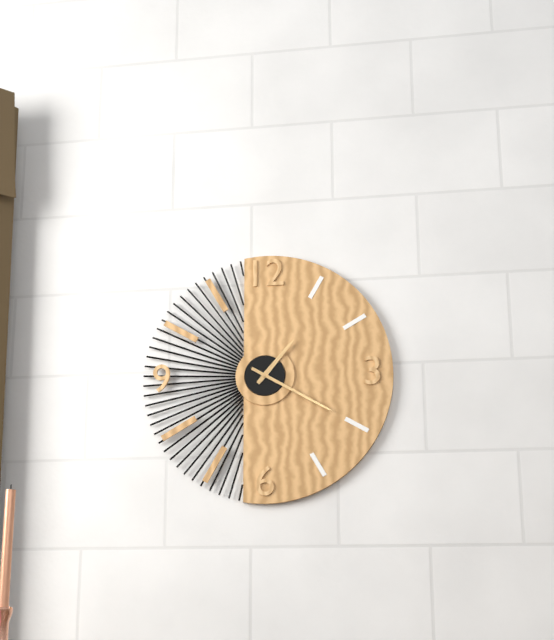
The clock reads {"hour": 1, "minute": 20}
